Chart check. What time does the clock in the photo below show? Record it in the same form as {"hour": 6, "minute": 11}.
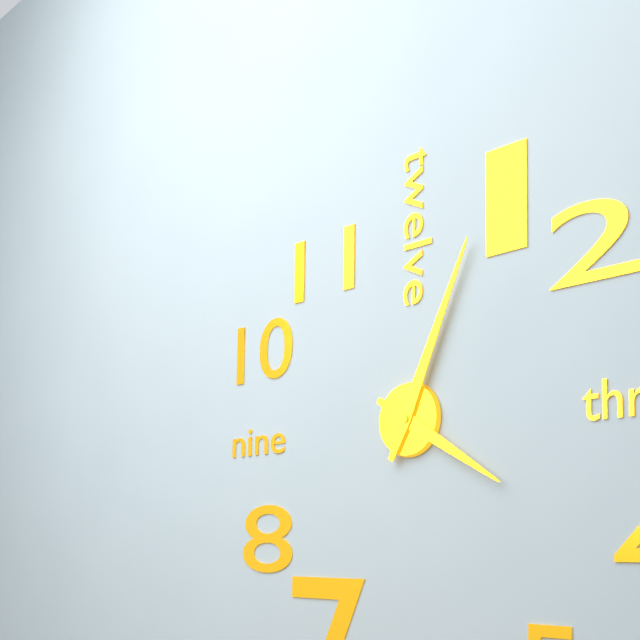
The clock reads {"hour": 4, "minute": 4}
